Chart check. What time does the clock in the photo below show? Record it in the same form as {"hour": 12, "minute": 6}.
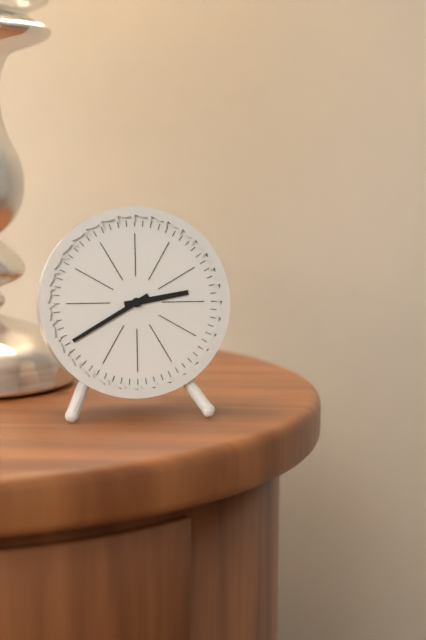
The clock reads {"hour": 2, "minute": 40}
